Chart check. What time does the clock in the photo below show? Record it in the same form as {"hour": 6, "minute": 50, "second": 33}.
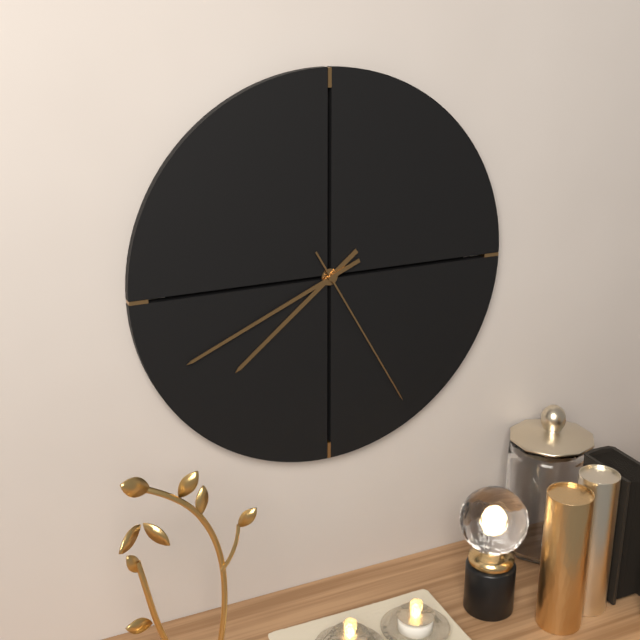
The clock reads {"hour": 7, "minute": 41, "second": 25}
